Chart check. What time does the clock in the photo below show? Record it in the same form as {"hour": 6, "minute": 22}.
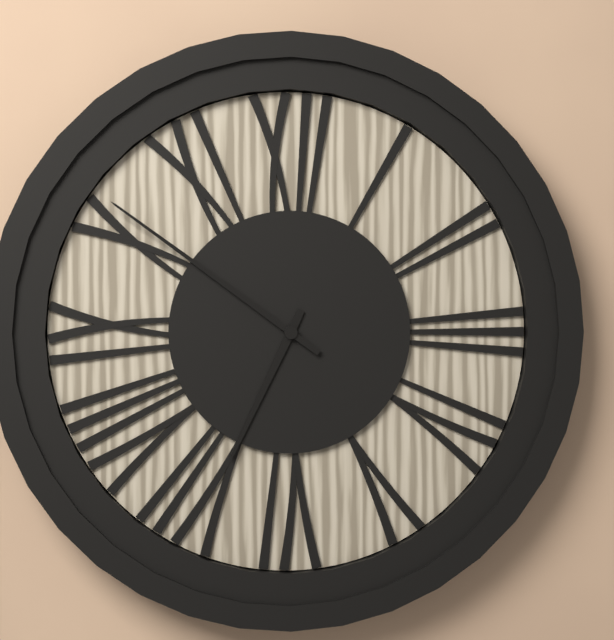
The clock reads {"hour": 6, "minute": 51}
